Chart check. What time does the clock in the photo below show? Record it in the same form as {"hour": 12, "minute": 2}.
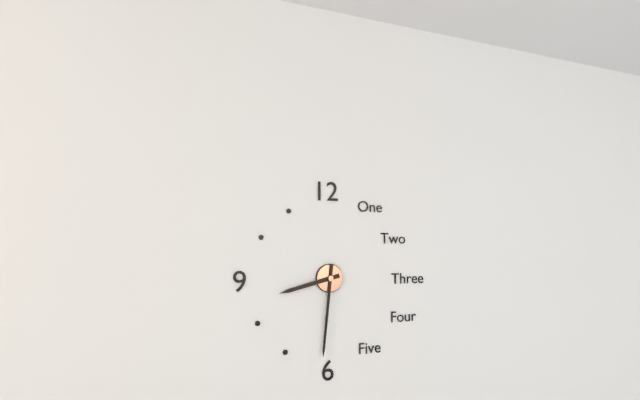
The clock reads {"hour": 8, "minute": 31}
